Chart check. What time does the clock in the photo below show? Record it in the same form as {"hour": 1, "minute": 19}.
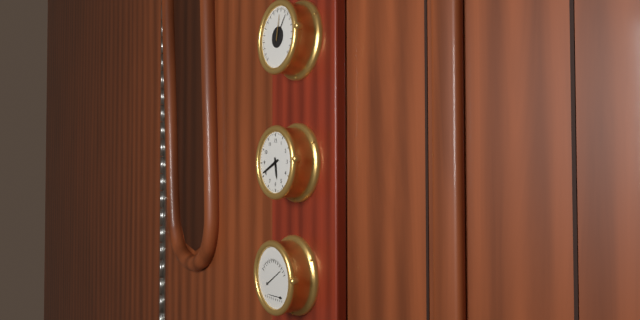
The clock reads {"hour": 5, "minute": 41}
